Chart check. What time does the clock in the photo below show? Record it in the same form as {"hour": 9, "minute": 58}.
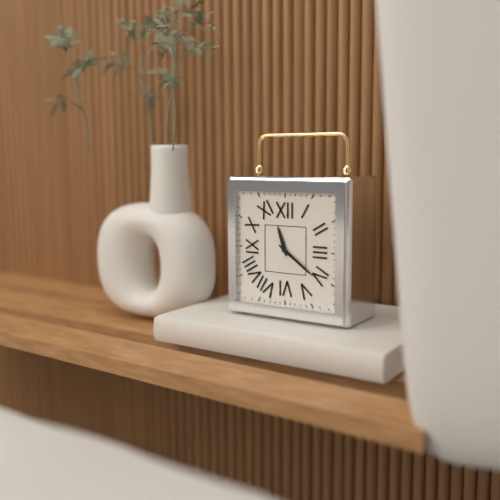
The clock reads {"hour": 11, "minute": 21}
